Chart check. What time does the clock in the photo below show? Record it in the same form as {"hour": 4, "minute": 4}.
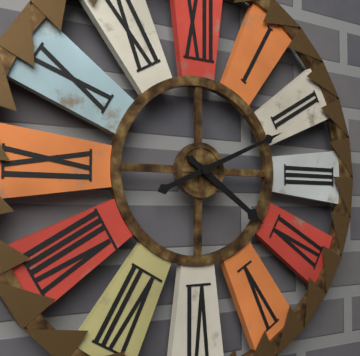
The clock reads {"hour": 4, "minute": 11}
